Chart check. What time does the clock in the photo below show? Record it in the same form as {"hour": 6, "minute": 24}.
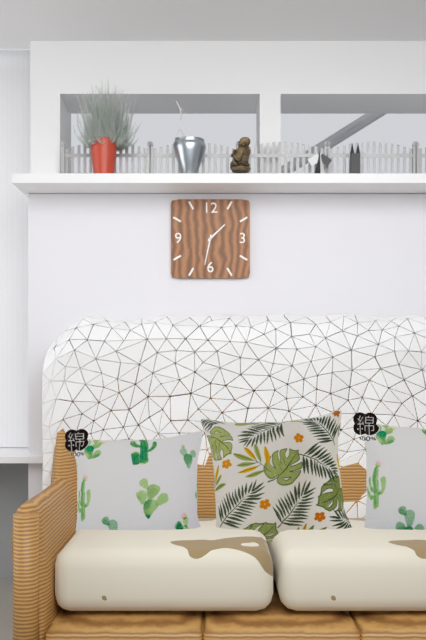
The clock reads {"hour": 1, "minute": 32}
